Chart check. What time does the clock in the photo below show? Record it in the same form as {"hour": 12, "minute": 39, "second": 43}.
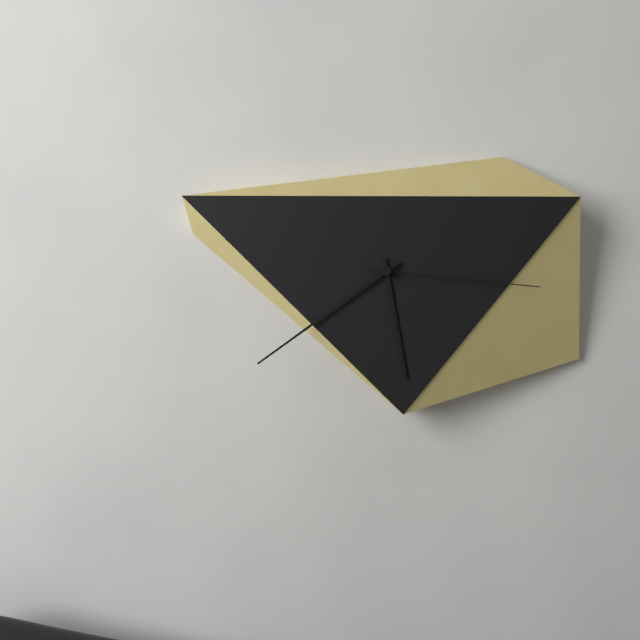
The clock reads {"hour": 5, "minute": 39, "second": 16}
